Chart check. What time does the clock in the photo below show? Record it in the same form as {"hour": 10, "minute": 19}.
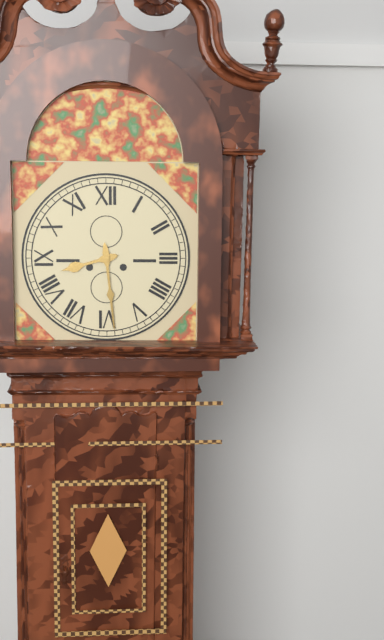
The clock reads {"hour": 8, "minute": 29}
